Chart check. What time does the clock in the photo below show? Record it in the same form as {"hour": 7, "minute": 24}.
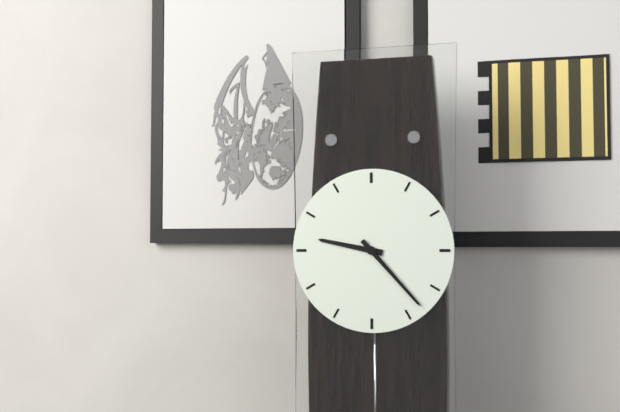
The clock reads {"hour": 9, "minute": 23}
